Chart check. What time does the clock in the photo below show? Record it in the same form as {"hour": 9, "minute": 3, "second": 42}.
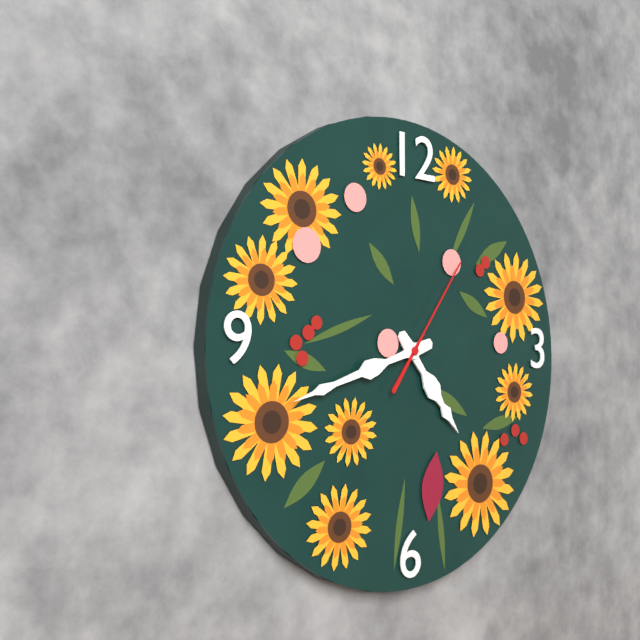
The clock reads {"hour": 4, "minute": 42, "second": 6}
